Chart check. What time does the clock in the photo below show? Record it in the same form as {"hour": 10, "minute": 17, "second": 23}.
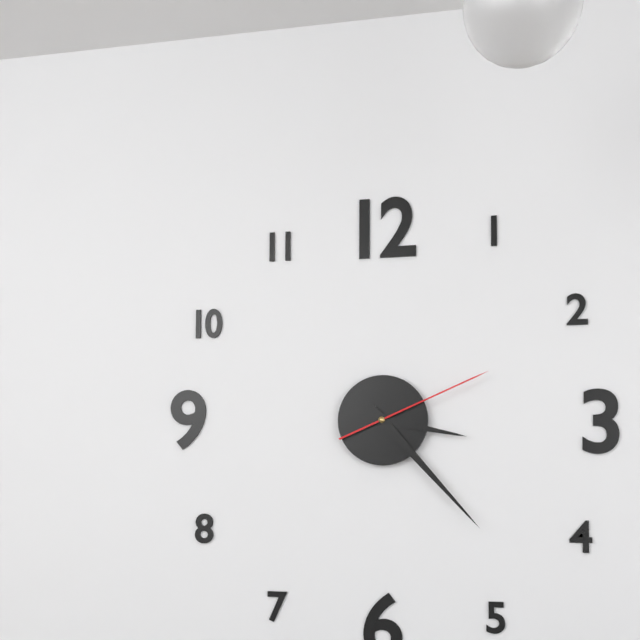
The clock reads {"hour": 3, "minute": 23, "second": 11}
